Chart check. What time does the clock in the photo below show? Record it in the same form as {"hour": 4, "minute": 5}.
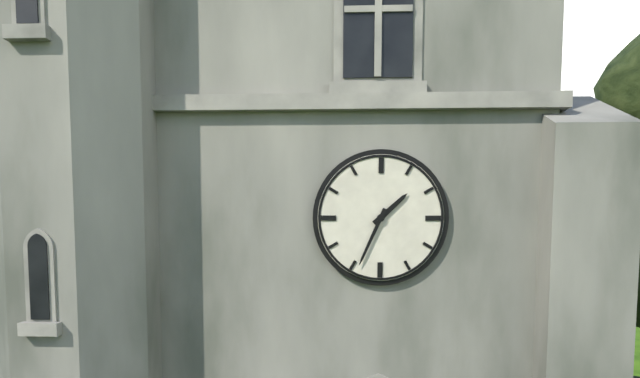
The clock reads {"hour": 1, "minute": 34}
